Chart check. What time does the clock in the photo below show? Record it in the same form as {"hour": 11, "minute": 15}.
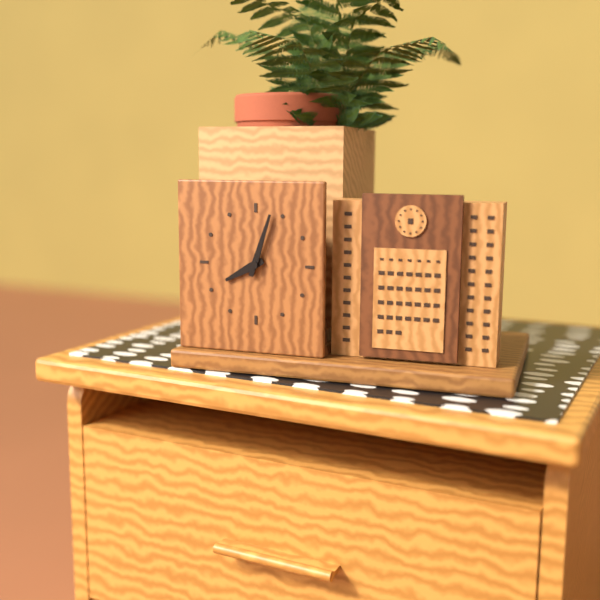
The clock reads {"hour": 8, "minute": 3}
